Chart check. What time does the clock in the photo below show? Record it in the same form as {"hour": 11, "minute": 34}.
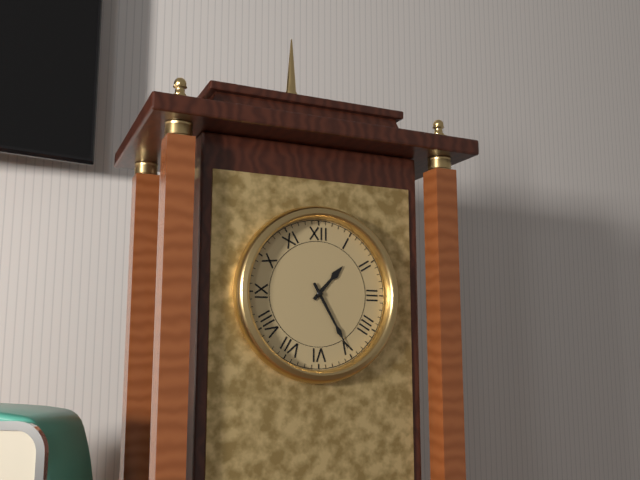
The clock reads {"hour": 1, "minute": 25}
